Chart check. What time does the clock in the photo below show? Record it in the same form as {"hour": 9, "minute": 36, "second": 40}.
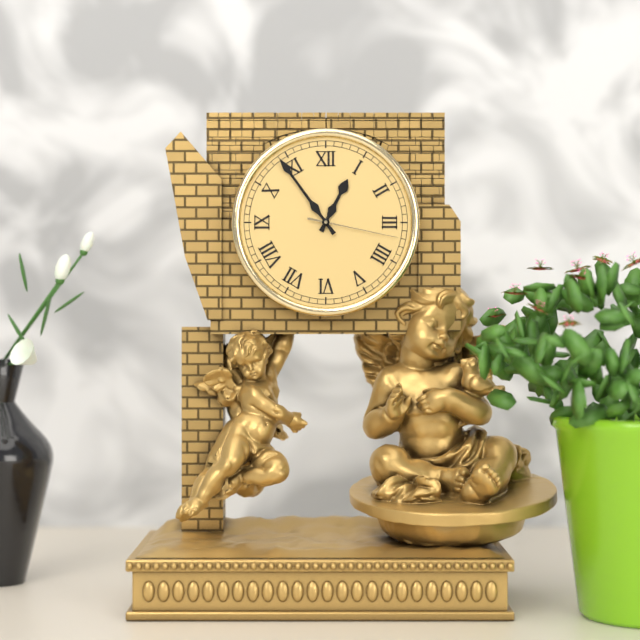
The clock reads {"hour": 12, "minute": 54, "second": 17}
